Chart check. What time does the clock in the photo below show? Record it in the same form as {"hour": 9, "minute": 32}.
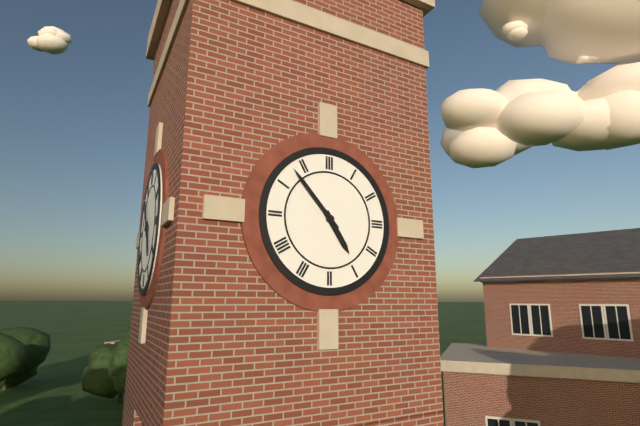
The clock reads {"hour": 4, "minute": 53}
